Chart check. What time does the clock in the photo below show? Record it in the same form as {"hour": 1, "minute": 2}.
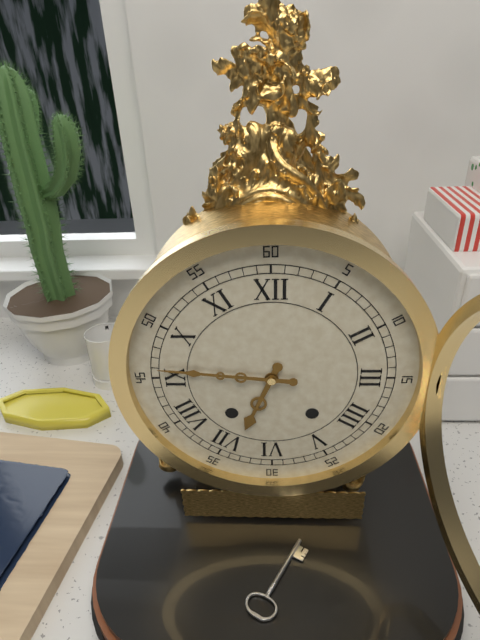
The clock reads {"hour": 6, "minute": 46}
